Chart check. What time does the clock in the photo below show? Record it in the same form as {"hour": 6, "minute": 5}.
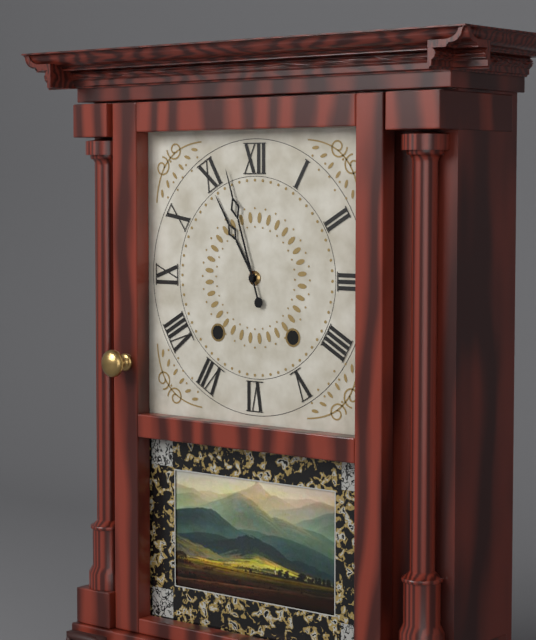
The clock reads {"hour": 10, "minute": 57}
